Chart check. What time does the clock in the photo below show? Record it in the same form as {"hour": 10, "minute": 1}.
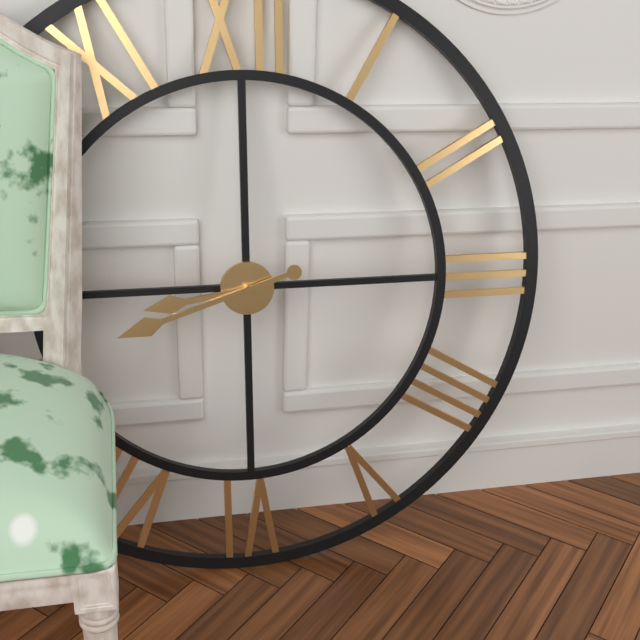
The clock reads {"hour": 8, "minute": 42}
